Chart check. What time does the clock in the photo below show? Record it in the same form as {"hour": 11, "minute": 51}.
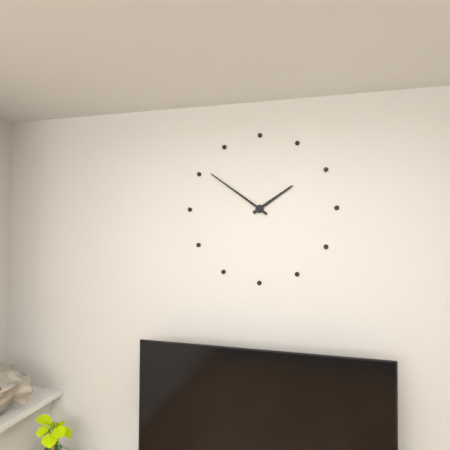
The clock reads {"hour": 1, "minute": 51}
